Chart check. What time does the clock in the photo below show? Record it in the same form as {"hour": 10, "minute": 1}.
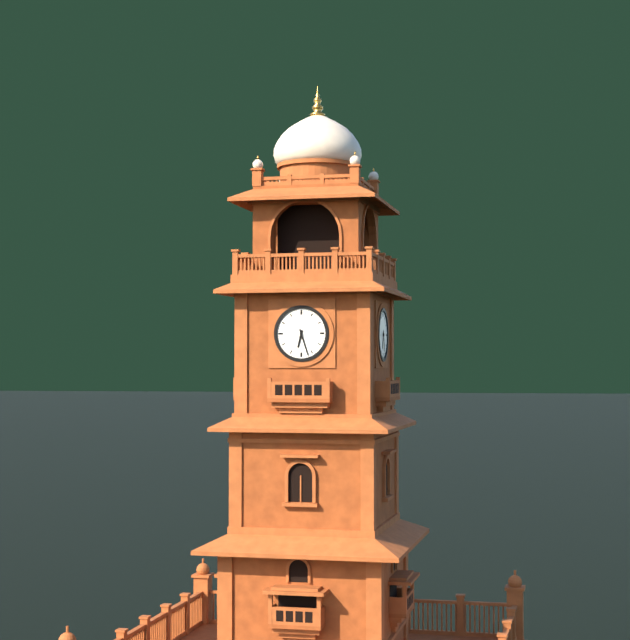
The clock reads {"hour": 6, "minute": 27}
